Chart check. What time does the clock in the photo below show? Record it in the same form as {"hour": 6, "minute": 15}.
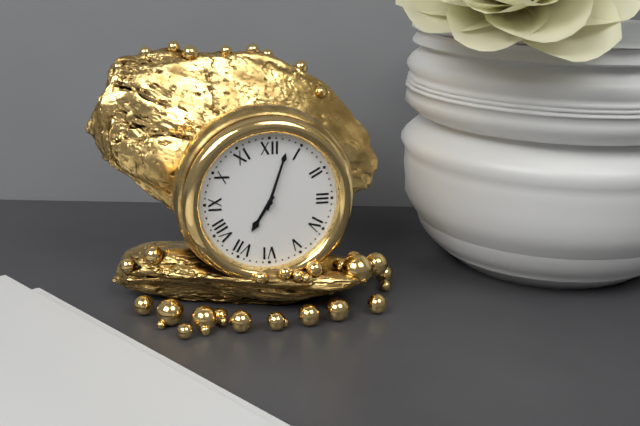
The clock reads {"hour": 7, "minute": 3}
